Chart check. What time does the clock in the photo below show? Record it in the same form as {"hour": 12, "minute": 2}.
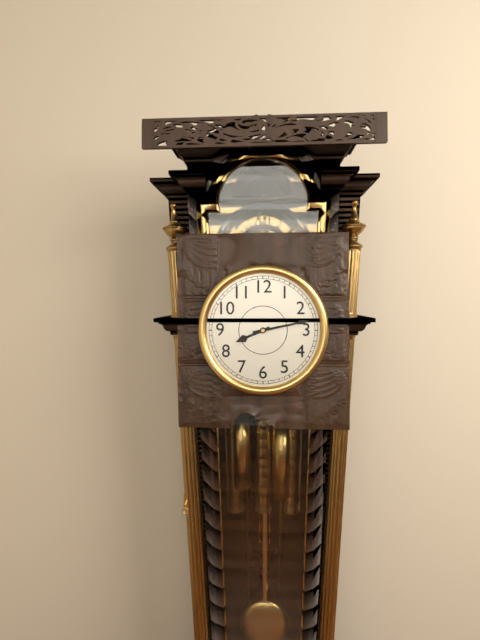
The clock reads {"hour": 8, "minute": 13}
